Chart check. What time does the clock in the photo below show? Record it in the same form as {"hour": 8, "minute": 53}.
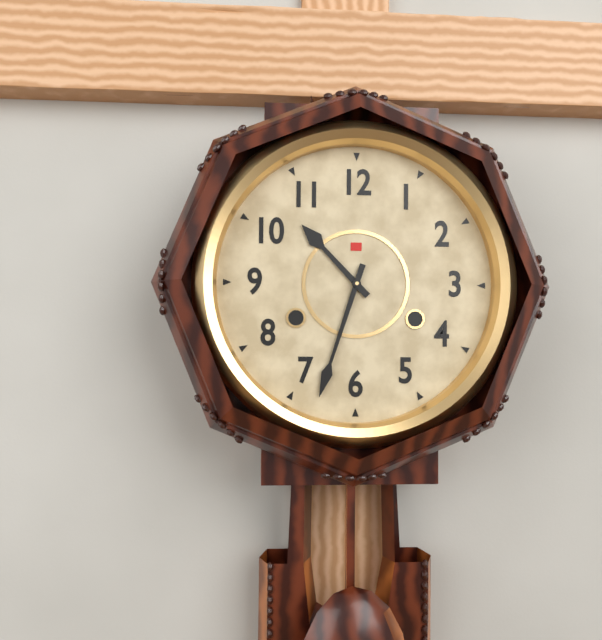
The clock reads {"hour": 10, "minute": 33}
